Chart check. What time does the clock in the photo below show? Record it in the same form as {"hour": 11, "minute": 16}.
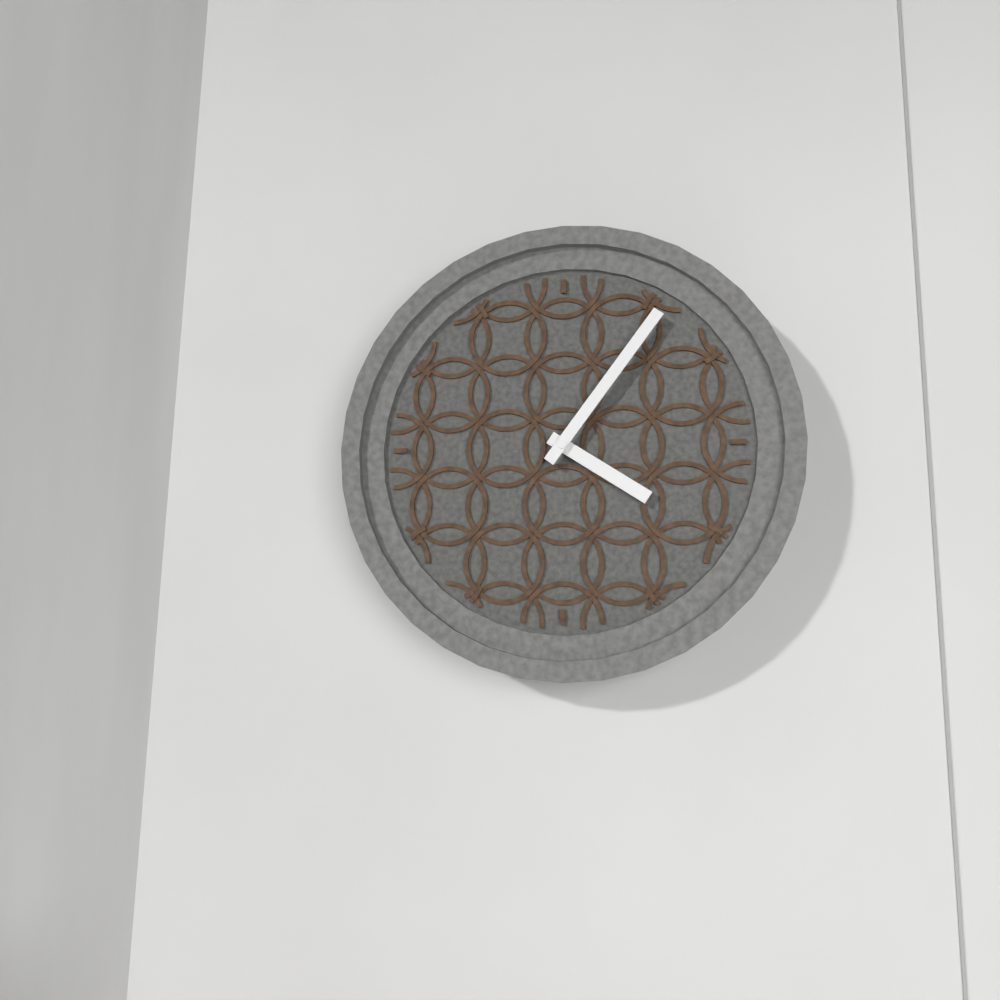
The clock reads {"hour": 4, "minute": 6}
